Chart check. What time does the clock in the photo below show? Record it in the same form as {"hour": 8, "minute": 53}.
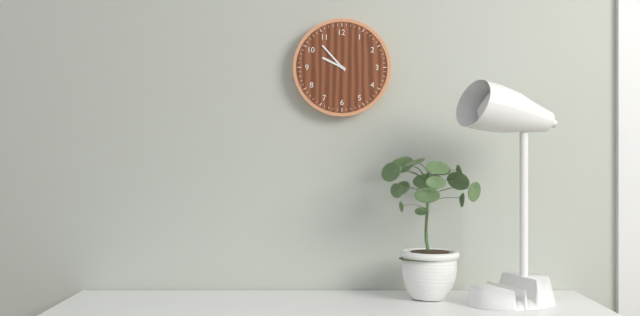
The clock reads {"hour": 9, "minute": 53}
